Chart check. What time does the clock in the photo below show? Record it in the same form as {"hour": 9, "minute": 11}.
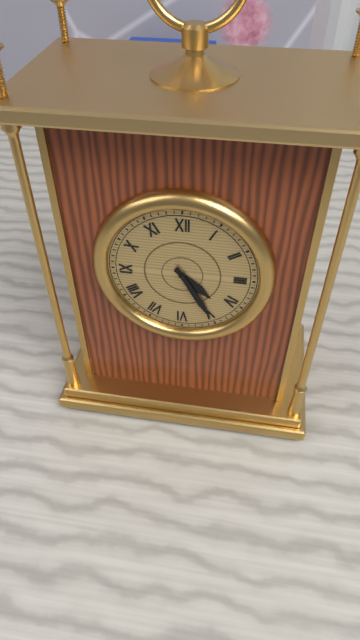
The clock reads {"hour": 4, "minute": 25}
